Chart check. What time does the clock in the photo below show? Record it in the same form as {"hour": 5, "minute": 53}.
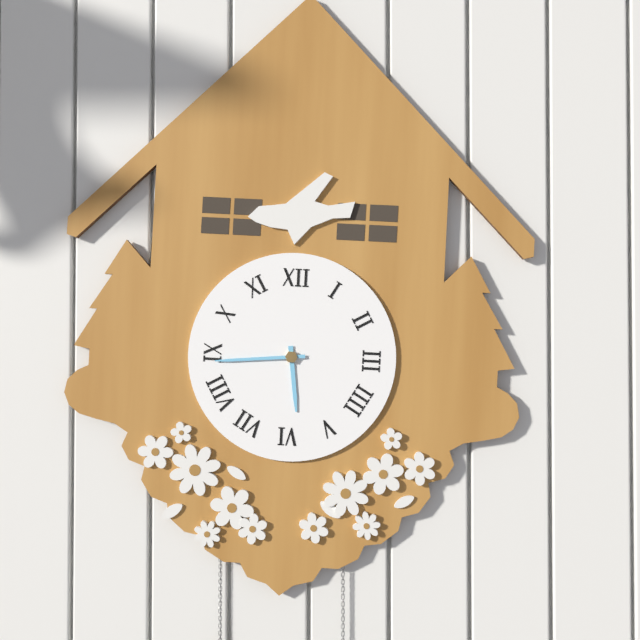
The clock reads {"hour": 5, "minute": 44}
